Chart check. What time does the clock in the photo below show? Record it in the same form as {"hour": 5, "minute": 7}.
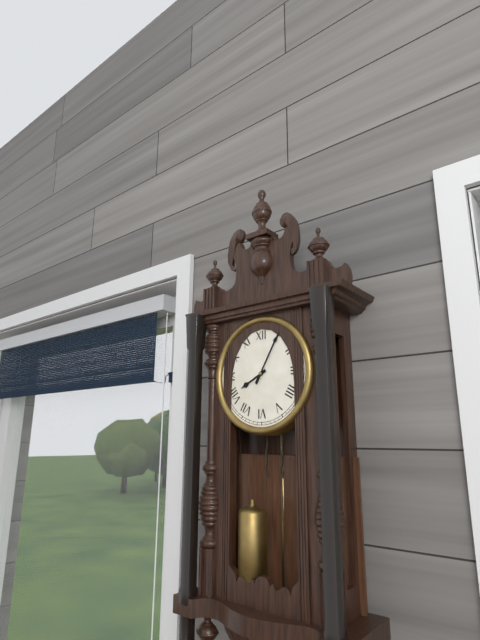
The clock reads {"hour": 8, "minute": 5}
